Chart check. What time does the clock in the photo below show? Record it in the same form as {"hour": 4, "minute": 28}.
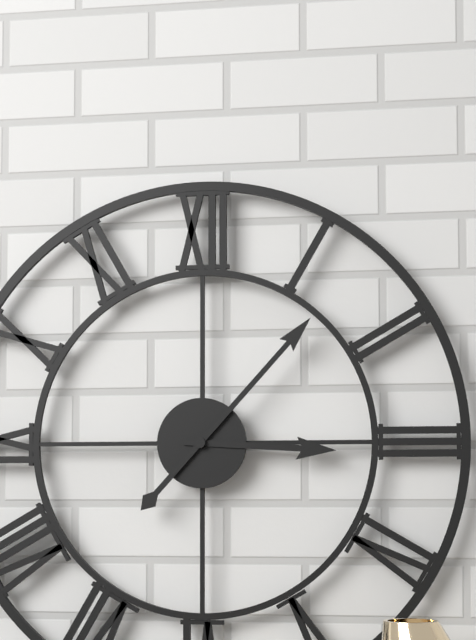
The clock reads {"hour": 3, "minute": 7}
